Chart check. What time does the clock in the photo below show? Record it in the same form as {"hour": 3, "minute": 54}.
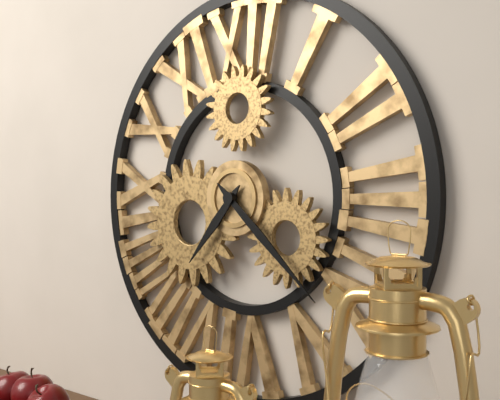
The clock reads {"hour": 7, "minute": 22}
